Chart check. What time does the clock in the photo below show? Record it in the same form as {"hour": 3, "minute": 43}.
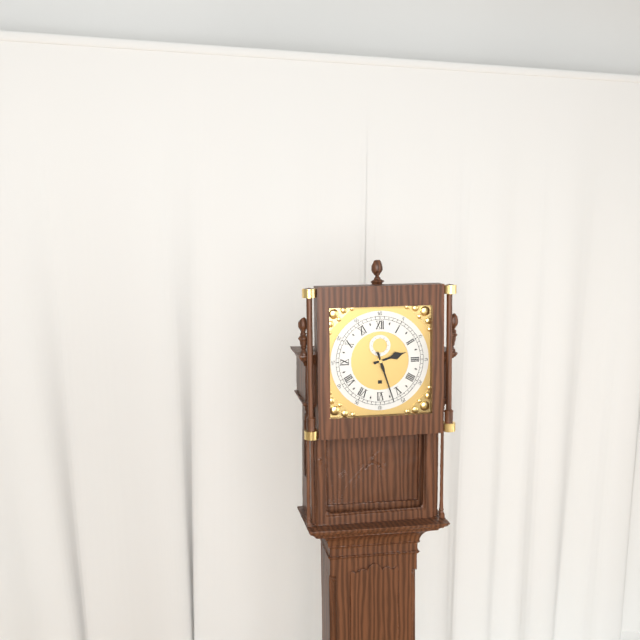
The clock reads {"hour": 2, "minute": 27}
